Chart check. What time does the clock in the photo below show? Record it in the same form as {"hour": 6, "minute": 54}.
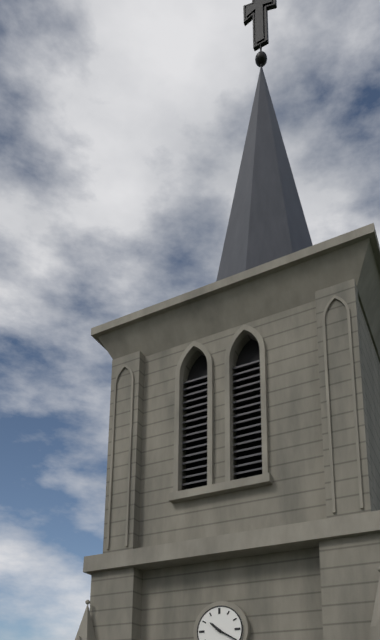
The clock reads {"hour": 10, "minute": 20}
